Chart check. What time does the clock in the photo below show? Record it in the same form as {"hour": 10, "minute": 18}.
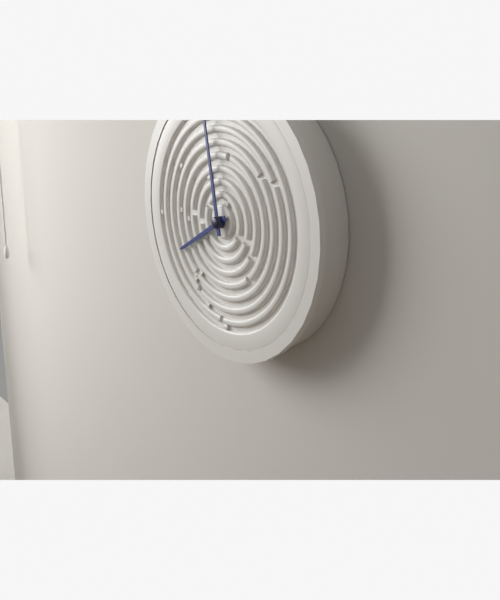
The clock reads {"hour": 7, "minute": 58}
